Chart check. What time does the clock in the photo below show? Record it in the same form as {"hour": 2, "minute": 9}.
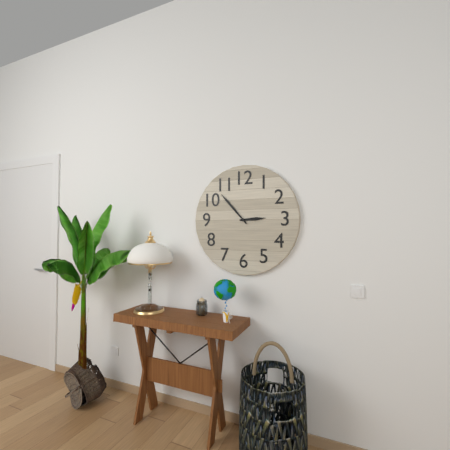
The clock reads {"hour": 2, "minute": 53}
